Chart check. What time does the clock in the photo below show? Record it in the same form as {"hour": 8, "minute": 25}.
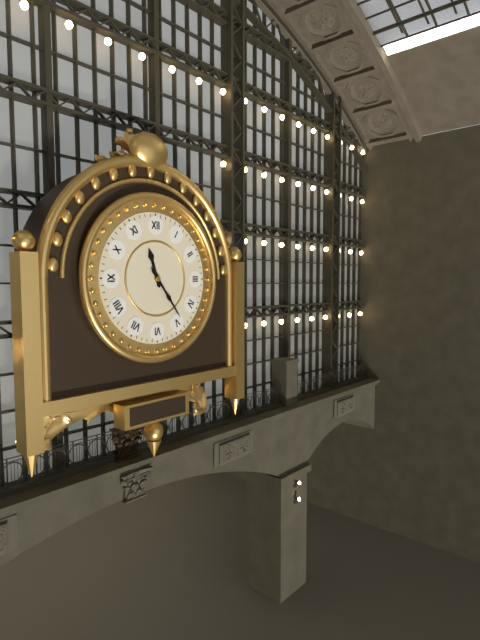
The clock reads {"hour": 11, "minute": 24}
